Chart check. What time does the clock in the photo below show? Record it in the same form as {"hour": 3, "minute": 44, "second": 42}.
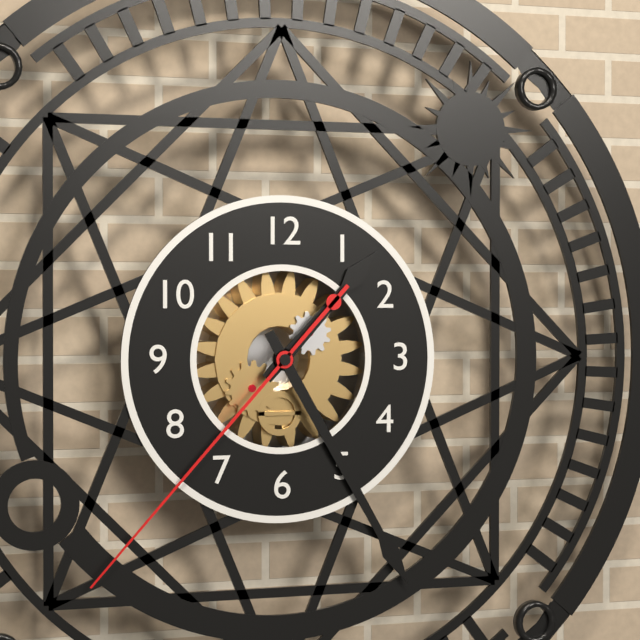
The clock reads {"hour": 1, "minute": 25, "second": 37}
